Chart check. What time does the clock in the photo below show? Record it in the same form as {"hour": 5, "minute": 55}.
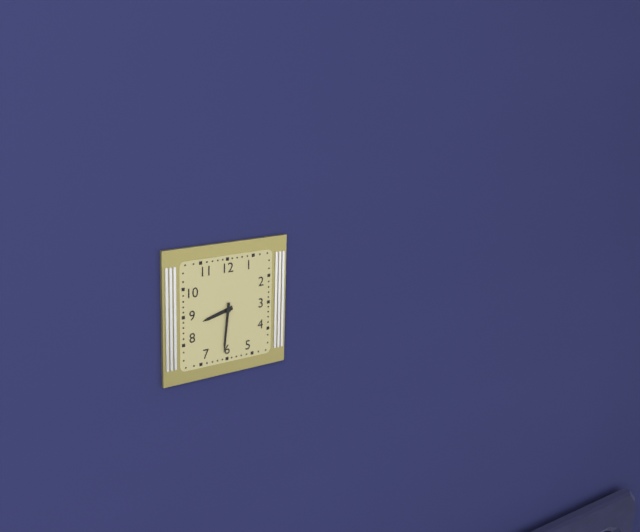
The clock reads {"hour": 8, "minute": 31}
